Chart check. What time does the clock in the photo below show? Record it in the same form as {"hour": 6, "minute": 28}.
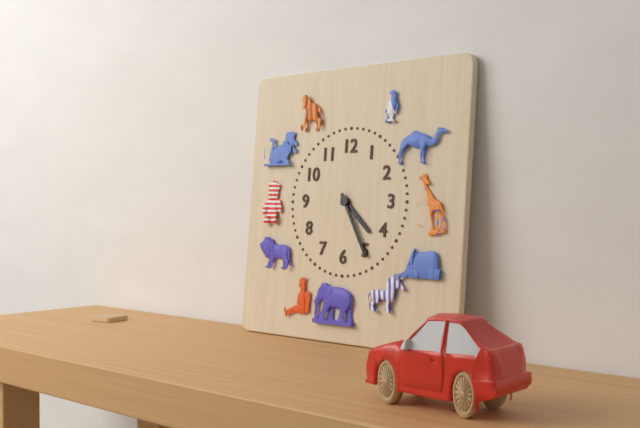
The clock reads {"hour": 4, "minute": 25}
